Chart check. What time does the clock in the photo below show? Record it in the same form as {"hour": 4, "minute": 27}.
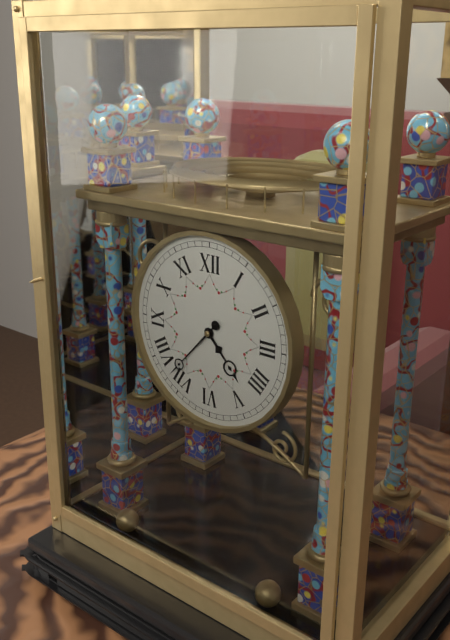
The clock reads {"hour": 4, "minute": 37}
